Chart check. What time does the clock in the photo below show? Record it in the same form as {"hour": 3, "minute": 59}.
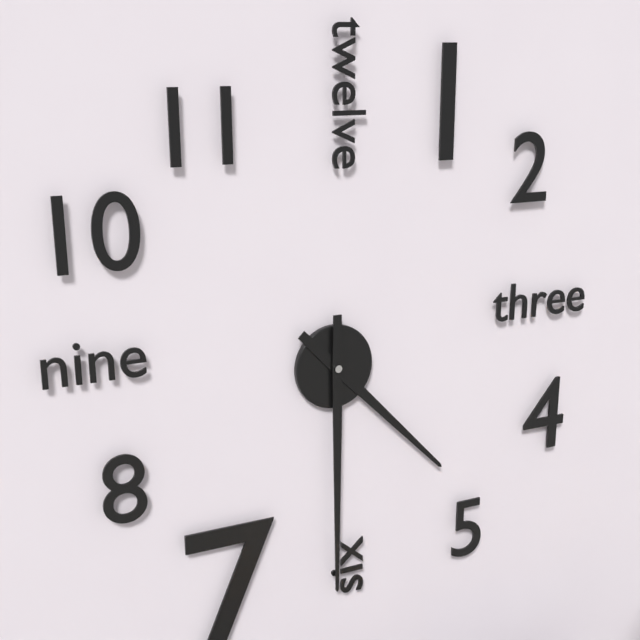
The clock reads {"hour": 4, "minute": 30}
